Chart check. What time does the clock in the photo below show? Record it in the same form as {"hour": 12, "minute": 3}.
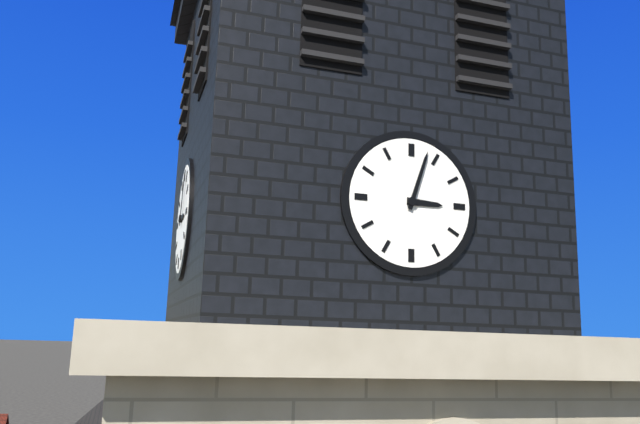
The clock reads {"hour": 3, "minute": 3}
